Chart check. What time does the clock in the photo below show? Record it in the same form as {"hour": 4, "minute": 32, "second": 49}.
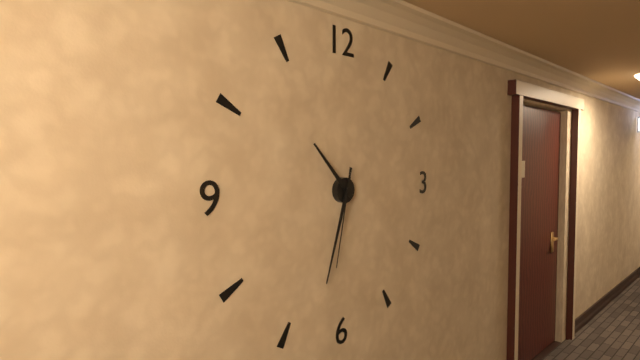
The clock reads {"hour": 10, "minute": 33, "second": 32}
